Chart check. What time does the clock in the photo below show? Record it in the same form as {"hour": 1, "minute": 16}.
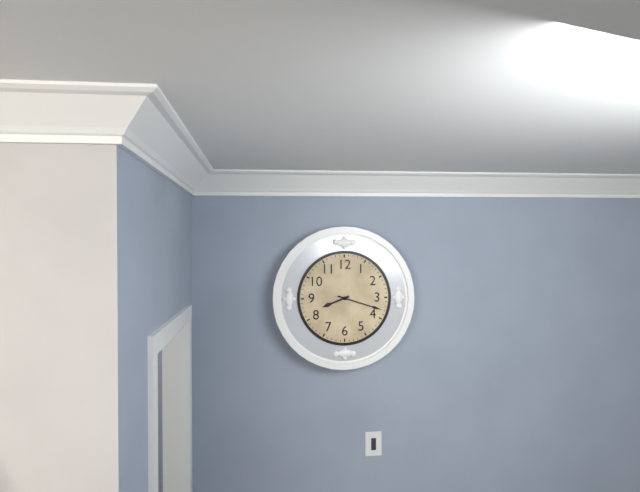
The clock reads {"hour": 8, "minute": 18}
